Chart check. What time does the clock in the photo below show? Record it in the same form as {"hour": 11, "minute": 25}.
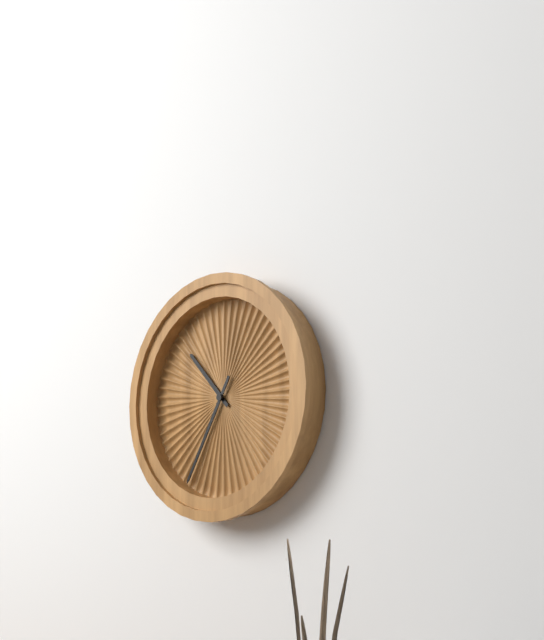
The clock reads {"hour": 10, "minute": 35}
